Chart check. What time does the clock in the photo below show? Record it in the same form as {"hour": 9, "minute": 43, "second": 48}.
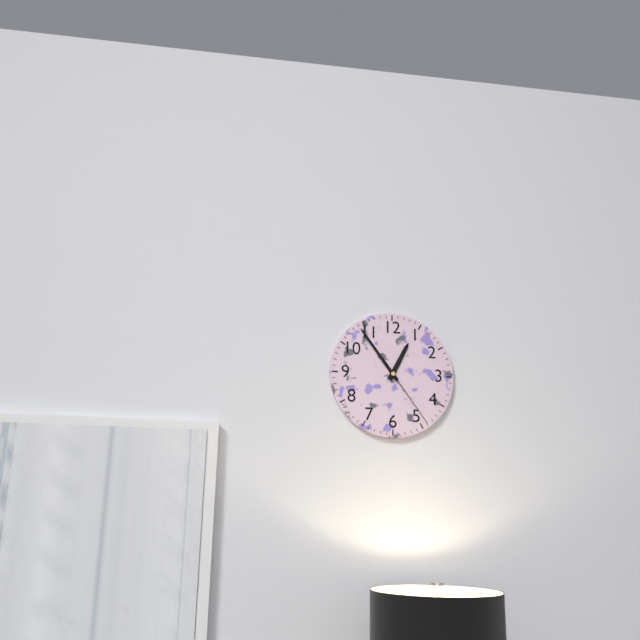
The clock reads {"hour": 12, "minute": 54, "second": 24}
